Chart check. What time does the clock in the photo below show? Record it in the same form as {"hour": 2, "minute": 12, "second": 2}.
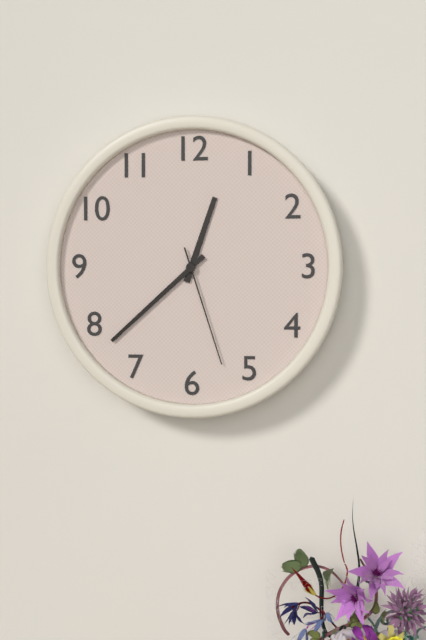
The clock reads {"hour": 12, "minute": 38, "second": 27}
